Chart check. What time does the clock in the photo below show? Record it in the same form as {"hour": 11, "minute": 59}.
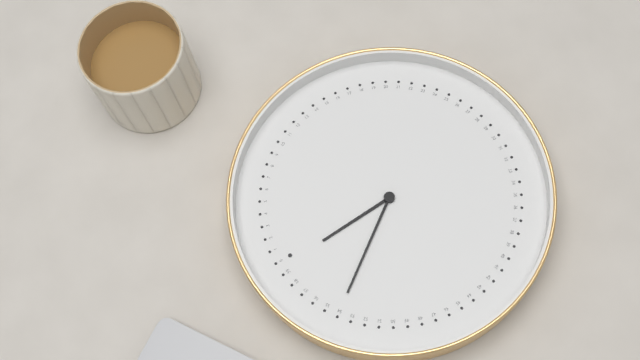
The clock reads {"hour": 11, "minute": 54}
